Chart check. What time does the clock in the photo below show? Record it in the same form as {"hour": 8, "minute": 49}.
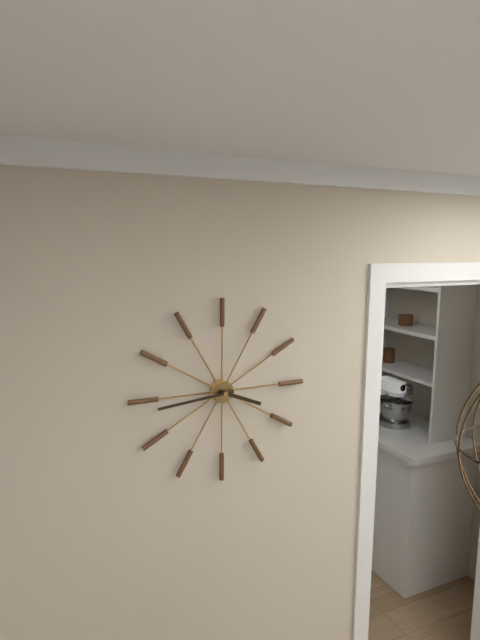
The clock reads {"hour": 3, "minute": 44}
